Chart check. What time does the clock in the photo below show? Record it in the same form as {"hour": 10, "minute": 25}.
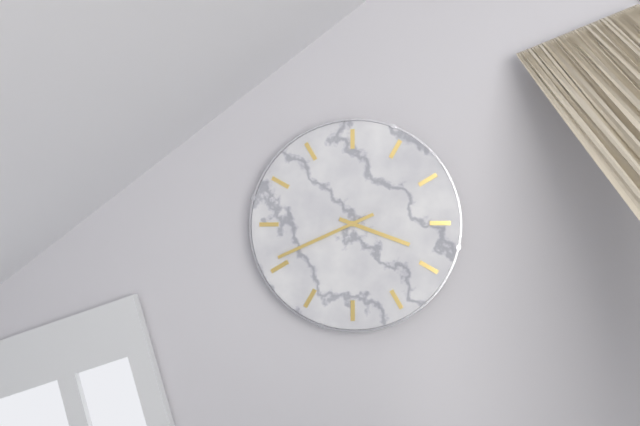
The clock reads {"hour": 3, "minute": 41}
